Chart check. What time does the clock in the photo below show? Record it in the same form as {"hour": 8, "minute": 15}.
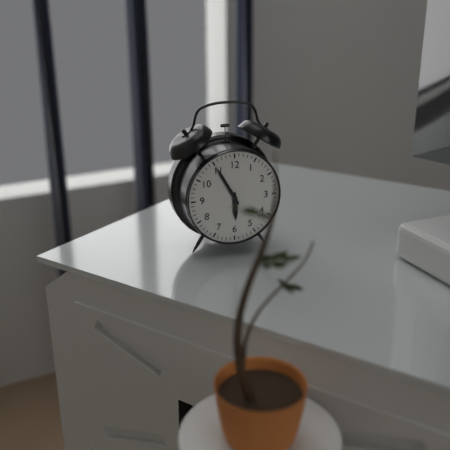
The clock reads {"hour": 5, "minute": 55}
